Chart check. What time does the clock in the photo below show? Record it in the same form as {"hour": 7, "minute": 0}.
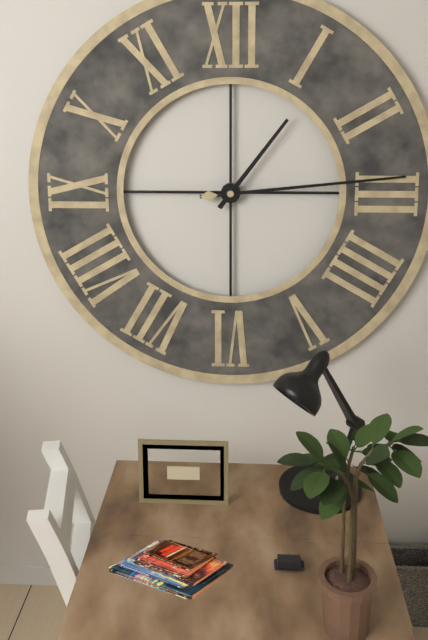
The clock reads {"hour": 1, "minute": 14}
